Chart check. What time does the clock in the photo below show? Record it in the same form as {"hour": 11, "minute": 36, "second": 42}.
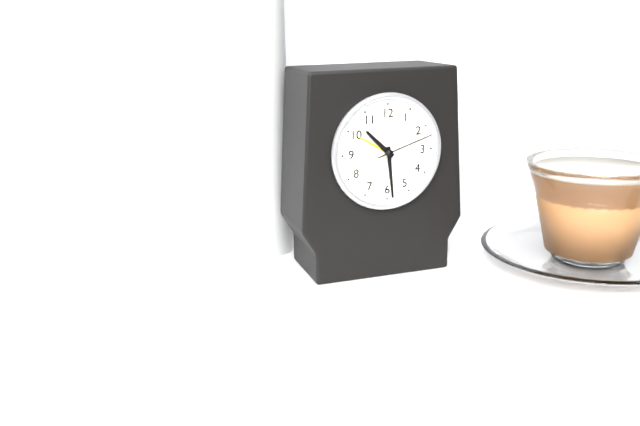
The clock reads {"hour": 10, "minute": 29, "second": 12}
